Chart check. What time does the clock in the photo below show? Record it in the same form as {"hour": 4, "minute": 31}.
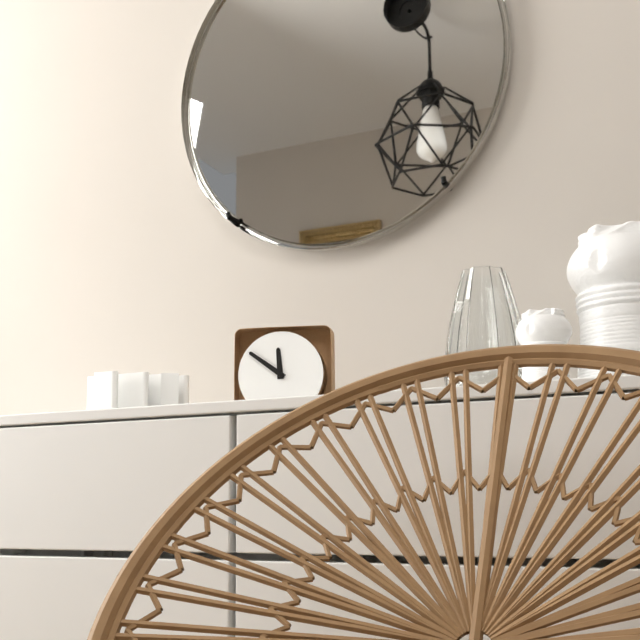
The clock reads {"hour": 11, "minute": 51}
